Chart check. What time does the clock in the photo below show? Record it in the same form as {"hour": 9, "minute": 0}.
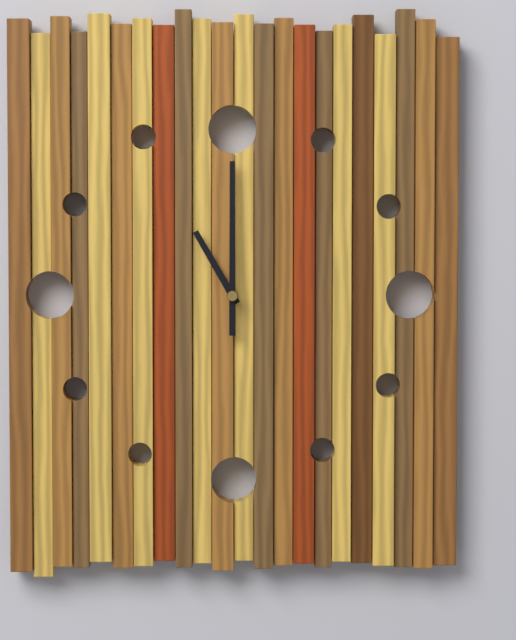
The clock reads {"hour": 11, "minute": 0}
